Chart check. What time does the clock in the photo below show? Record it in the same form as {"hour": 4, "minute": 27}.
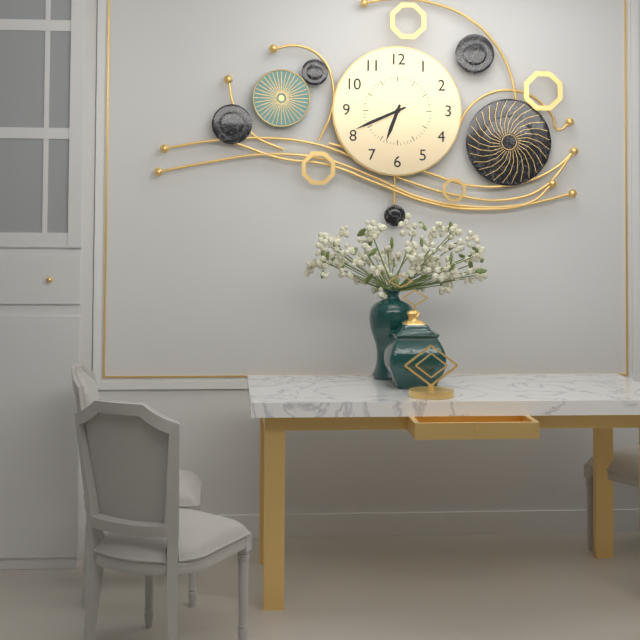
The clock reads {"hour": 6, "minute": 41}
